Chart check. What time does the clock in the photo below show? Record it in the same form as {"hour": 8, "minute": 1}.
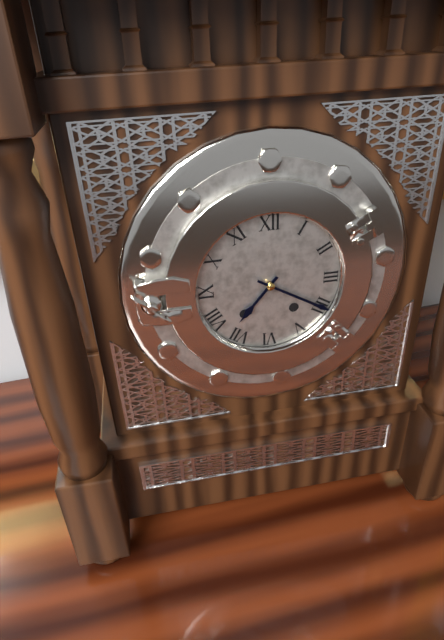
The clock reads {"hour": 7, "minute": 20}
